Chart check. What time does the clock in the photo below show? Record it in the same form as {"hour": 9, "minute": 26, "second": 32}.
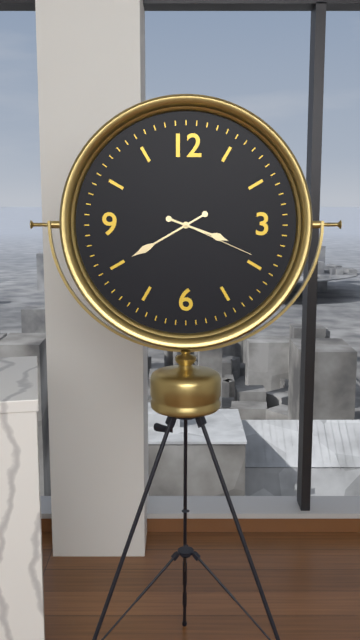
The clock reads {"hour": 3, "minute": 40, "second": 19}
